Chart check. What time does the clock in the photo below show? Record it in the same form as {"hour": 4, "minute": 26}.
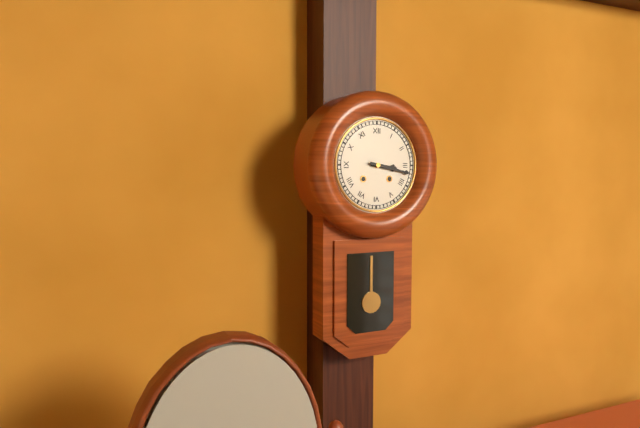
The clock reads {"hour": 3, "minute": 17}
